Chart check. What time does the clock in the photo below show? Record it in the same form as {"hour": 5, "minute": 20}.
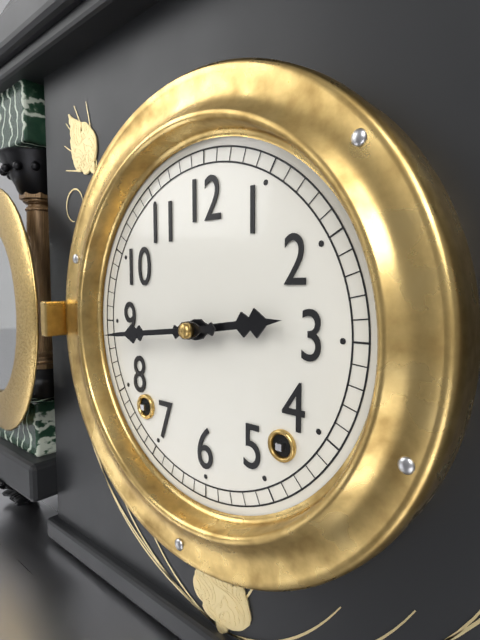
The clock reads {"hour": 2, "minute": 44}
